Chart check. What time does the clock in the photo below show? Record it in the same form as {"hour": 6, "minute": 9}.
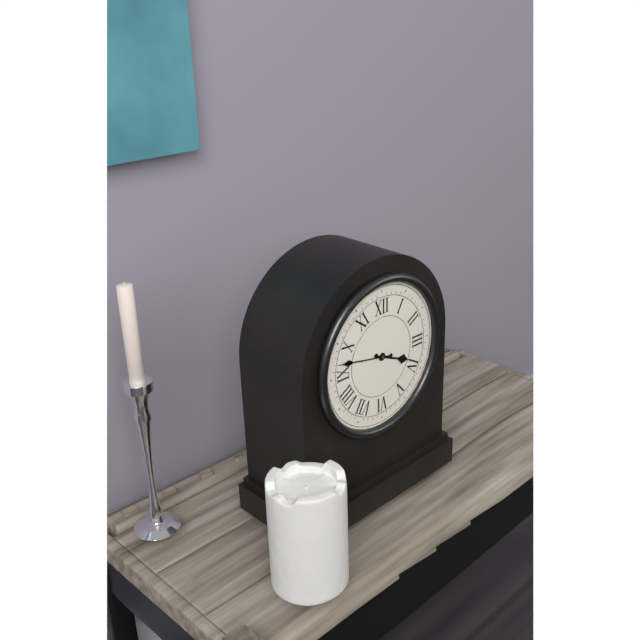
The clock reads {"hour": 3, "minute": 47}
